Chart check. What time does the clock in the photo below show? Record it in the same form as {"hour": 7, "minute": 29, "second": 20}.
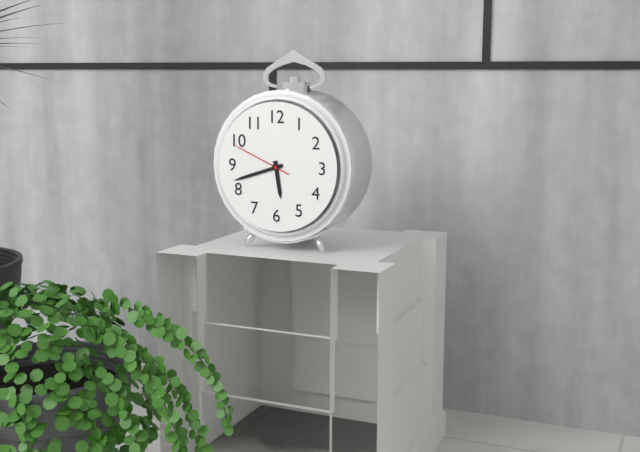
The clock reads {"hour": 5, "minute": 42, "second": 49}
